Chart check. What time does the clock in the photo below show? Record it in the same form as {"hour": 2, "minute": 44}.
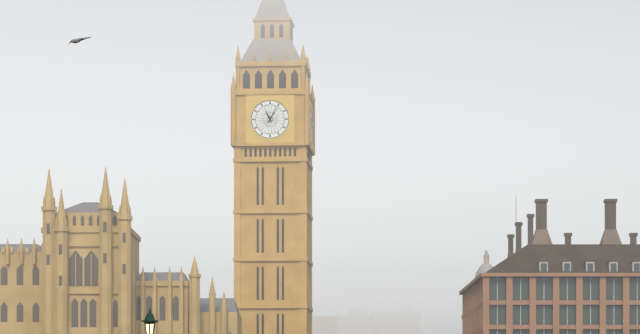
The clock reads {"hour": 11, "minute": 5}
